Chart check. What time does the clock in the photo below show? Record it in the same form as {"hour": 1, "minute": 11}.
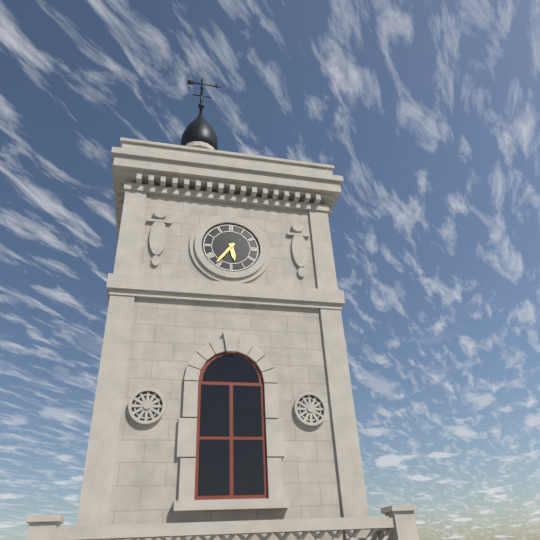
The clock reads {"hour": 5, "minute": 36}
